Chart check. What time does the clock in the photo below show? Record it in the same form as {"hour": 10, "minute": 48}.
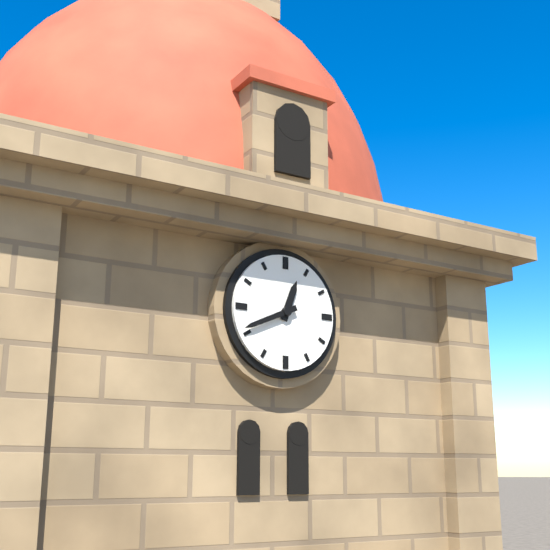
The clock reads {"hour": 12, "minute": 41}
